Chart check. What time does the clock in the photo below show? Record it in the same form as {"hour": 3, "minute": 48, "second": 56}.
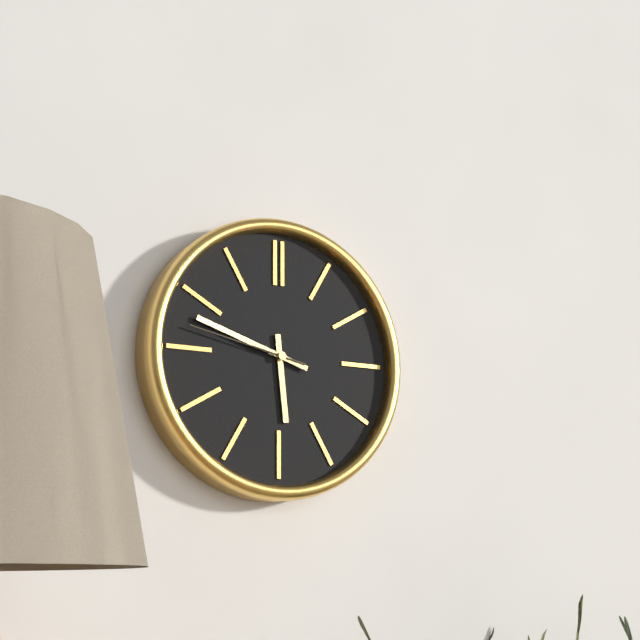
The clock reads {"hour": 5, "minute": 48, "second": 47}
